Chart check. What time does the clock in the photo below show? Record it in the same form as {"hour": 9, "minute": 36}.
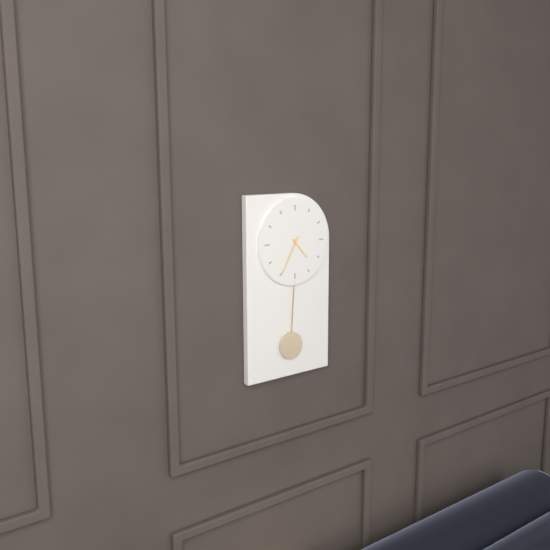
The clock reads {"hour": 4, "minute": 35}
